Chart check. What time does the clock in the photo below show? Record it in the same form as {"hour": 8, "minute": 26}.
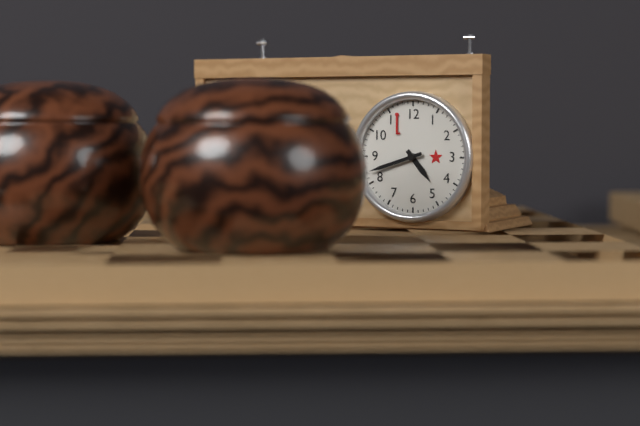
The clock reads {"hour": 4, "minute": 42}
